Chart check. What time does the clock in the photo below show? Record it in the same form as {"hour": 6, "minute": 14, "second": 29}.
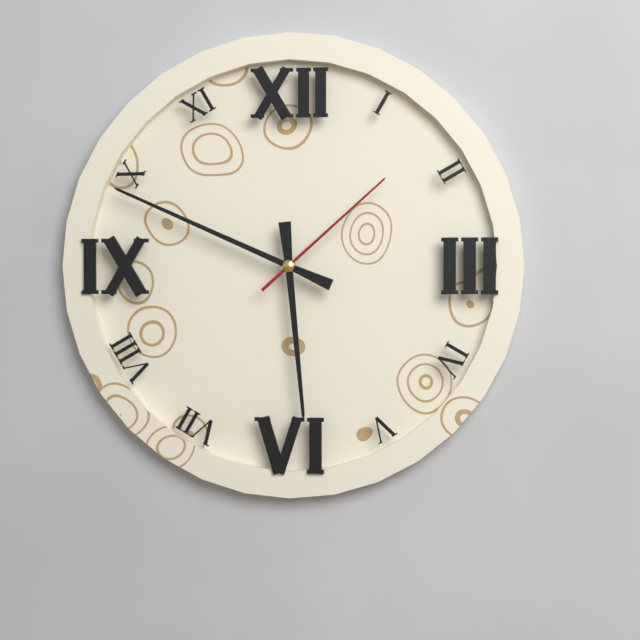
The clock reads {"hour": 5, "minute": 49, "second": 8}
